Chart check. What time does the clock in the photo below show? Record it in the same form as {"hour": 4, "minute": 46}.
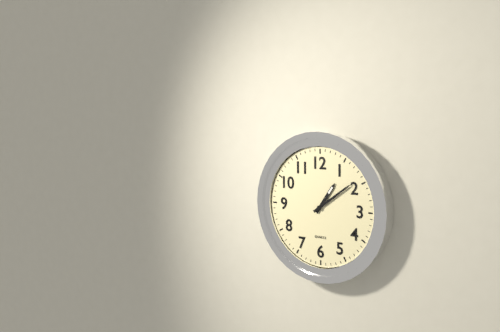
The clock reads {"hour": 1, "minute": 9}
